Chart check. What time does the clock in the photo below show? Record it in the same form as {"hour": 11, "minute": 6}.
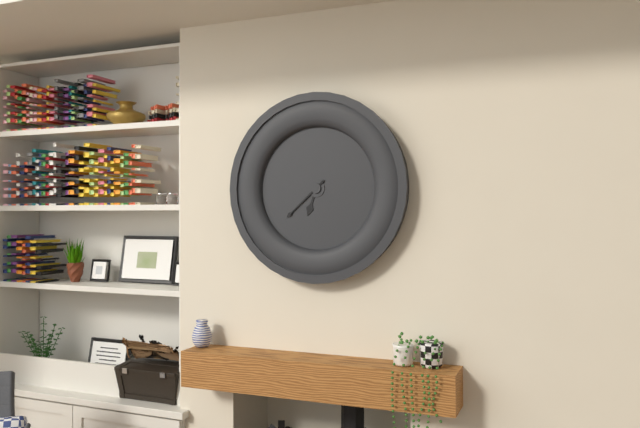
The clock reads {"hour": 6, "minute": 38}
